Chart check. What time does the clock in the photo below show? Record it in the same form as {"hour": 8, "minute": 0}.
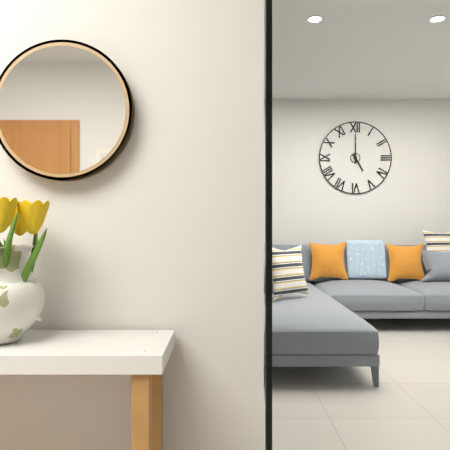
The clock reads {"hour": 5, "minute": 0}
